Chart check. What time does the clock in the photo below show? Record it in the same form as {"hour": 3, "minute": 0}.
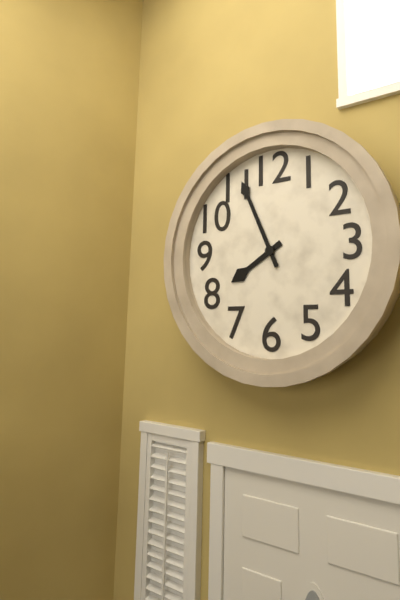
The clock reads {"hour": 7, "minute": 56}
